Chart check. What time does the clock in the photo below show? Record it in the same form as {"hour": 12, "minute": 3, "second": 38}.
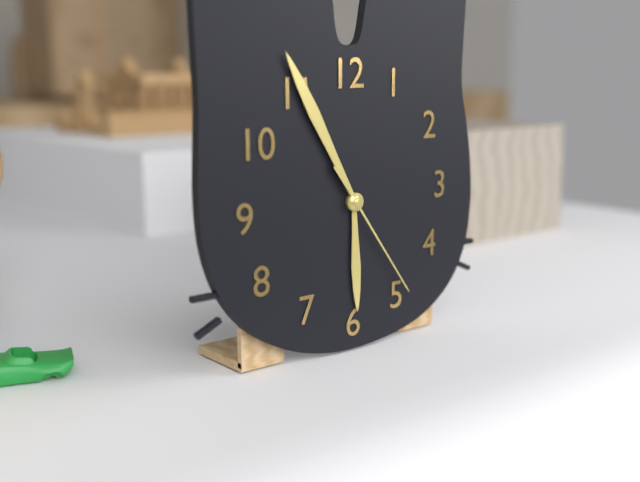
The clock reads {"hour": 5, "minute": 55, "second": 24}
